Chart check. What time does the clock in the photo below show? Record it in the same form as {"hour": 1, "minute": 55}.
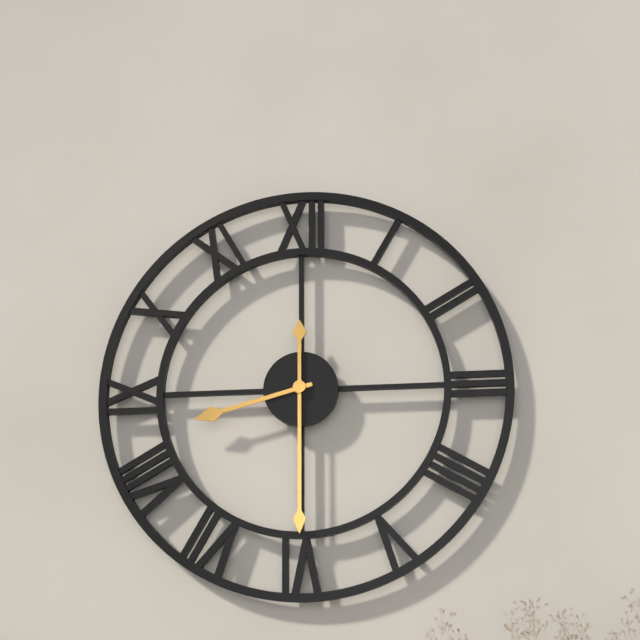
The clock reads {"hour": 8, "minute": 30}
